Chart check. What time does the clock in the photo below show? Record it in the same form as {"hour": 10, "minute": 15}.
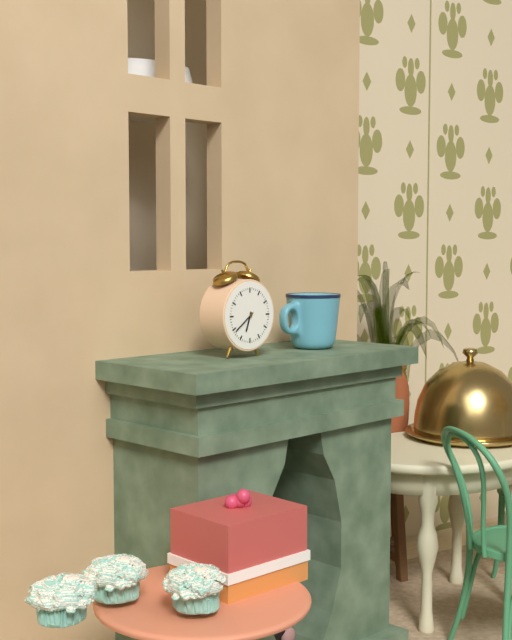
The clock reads {"hour": 6, "minute": 39}
